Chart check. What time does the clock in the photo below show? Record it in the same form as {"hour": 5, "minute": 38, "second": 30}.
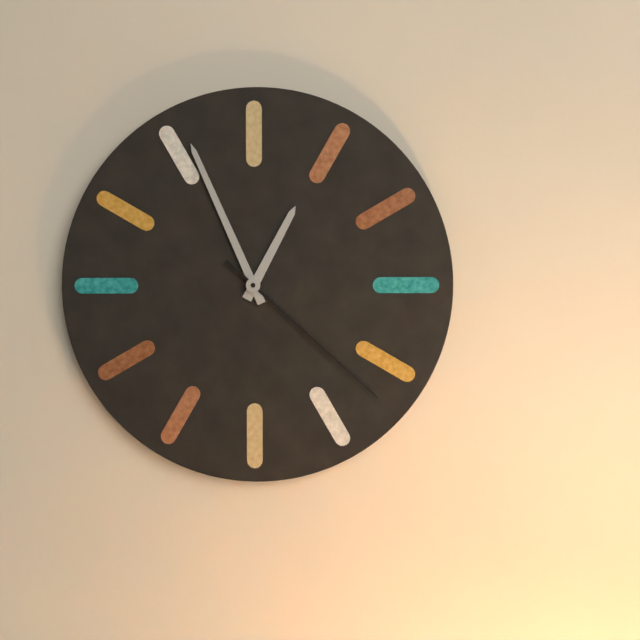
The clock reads {"hour": 12, "minute": 56, "second": 22}
